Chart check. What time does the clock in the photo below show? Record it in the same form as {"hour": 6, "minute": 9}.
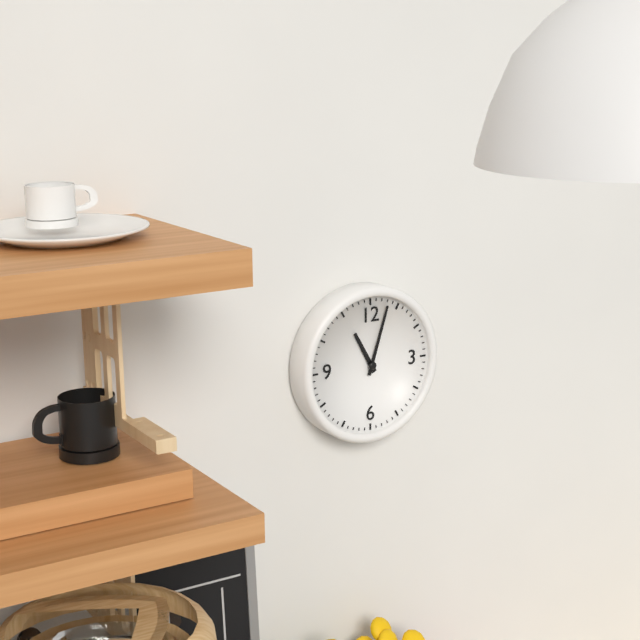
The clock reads {"hour": 11, "minute": 3}
